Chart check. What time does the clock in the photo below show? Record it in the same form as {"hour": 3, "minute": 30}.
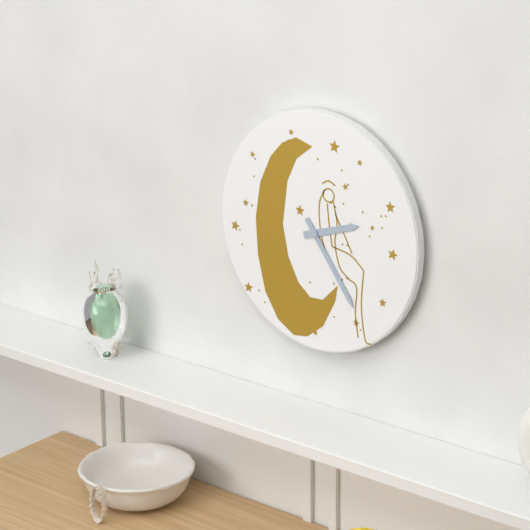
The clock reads {"hour": 2, "minute": 24}
